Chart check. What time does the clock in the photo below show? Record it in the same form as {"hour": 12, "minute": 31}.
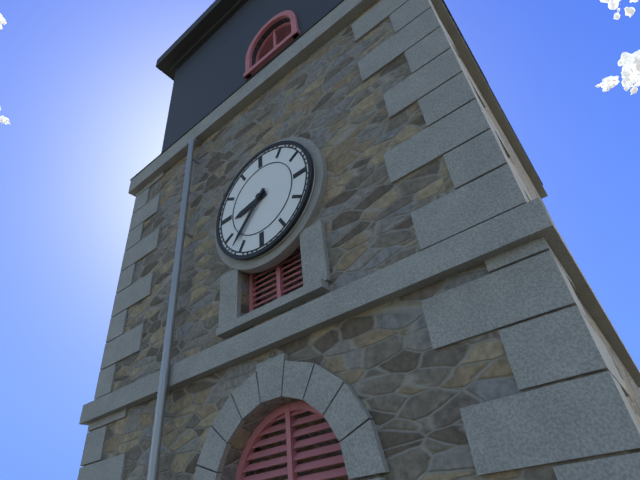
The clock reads {"hour": 8, "minute": 37}
